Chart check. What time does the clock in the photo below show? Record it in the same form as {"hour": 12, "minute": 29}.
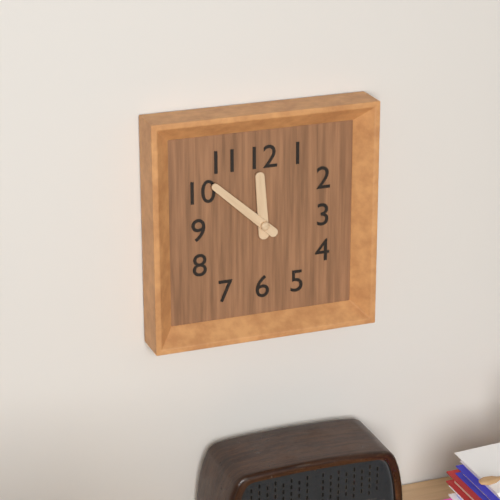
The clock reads {"hour": 11, "minute": 52}
